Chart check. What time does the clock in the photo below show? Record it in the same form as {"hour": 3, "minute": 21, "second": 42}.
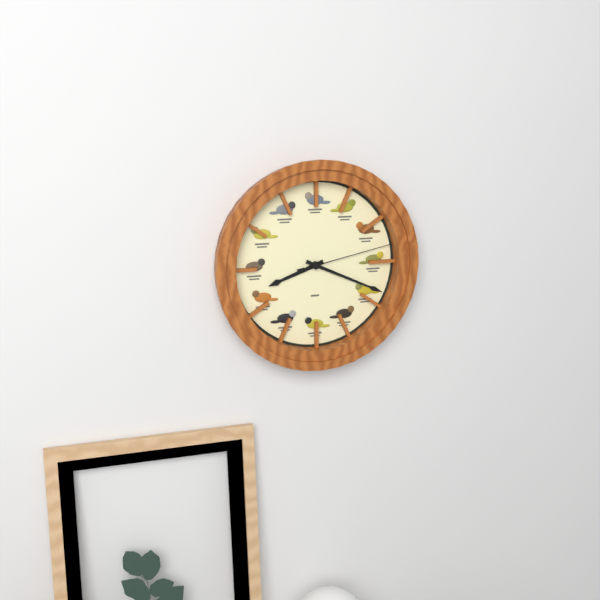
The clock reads {"hour": 8, "minute": 19, "second": 13}
